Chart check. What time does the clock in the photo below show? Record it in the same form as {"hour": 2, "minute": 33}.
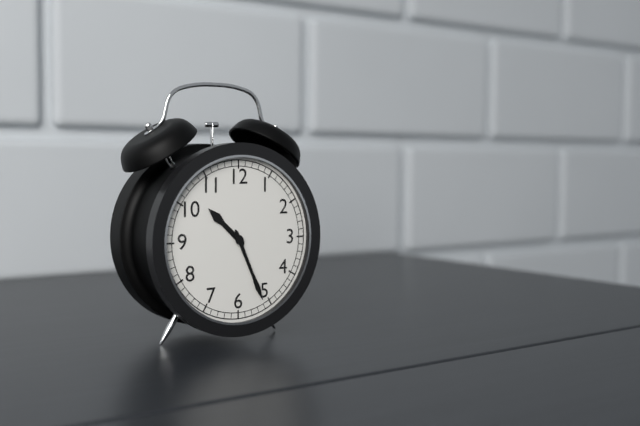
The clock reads {"hour": 10, "minute": 26}
